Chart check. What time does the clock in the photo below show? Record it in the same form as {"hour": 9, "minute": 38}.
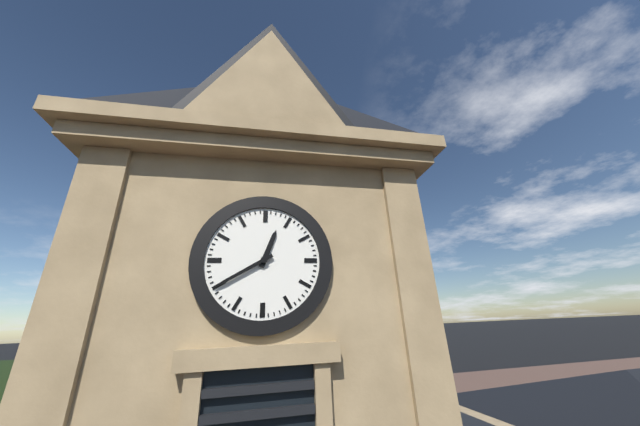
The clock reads {"hour": 12, "minute": 40}
